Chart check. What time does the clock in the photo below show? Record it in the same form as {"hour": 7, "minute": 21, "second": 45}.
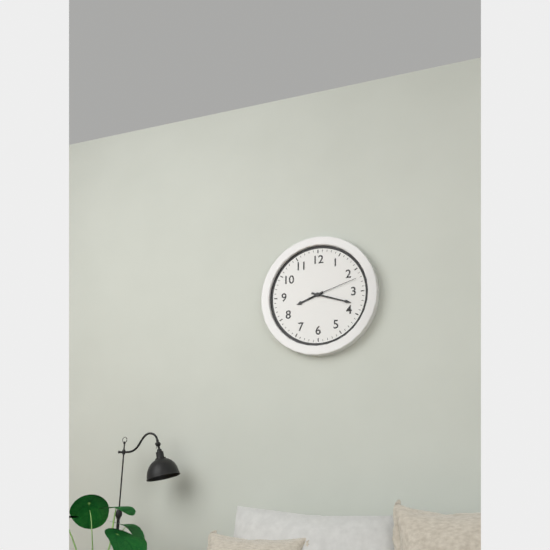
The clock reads {"hour": 8, "minute": 18, "second": 12}
